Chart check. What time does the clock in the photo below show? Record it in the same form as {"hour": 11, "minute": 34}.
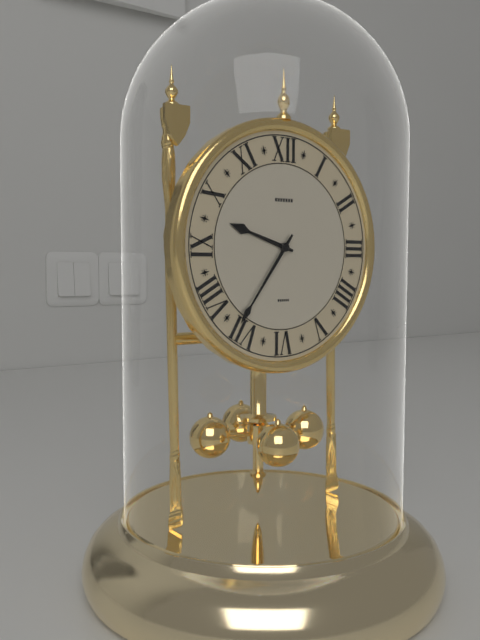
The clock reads {"hour": 9, "minute": 36}
